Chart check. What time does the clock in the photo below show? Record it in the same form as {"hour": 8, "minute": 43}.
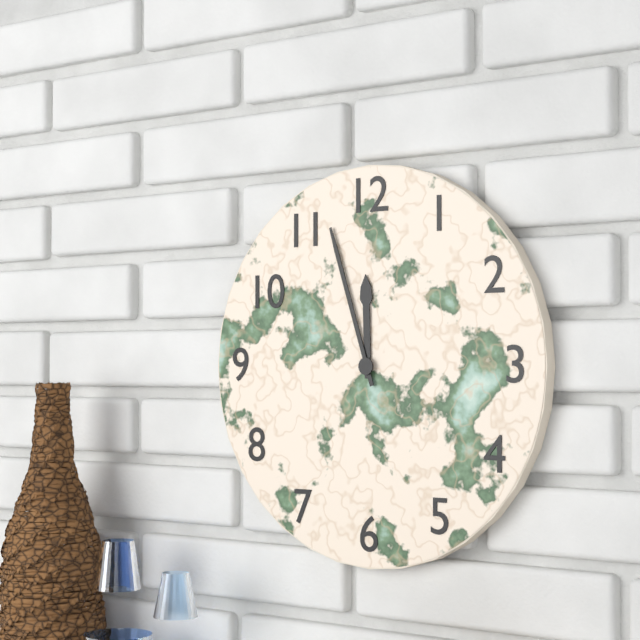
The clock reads {"hour": 11, "minute": 57}
